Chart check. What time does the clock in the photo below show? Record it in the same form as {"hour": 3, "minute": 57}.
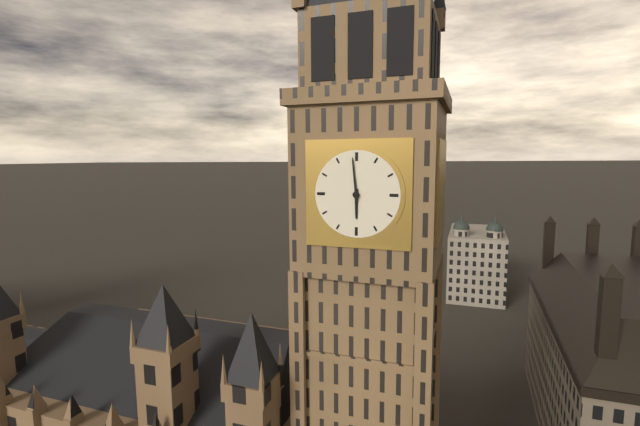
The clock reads {"hour": 5, "minute": 59}
